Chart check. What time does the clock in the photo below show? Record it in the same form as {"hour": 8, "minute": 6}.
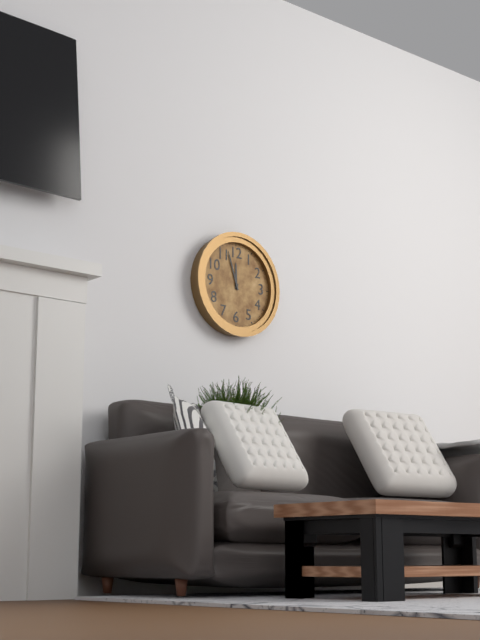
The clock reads {"hour": 11, "minute": 57}
